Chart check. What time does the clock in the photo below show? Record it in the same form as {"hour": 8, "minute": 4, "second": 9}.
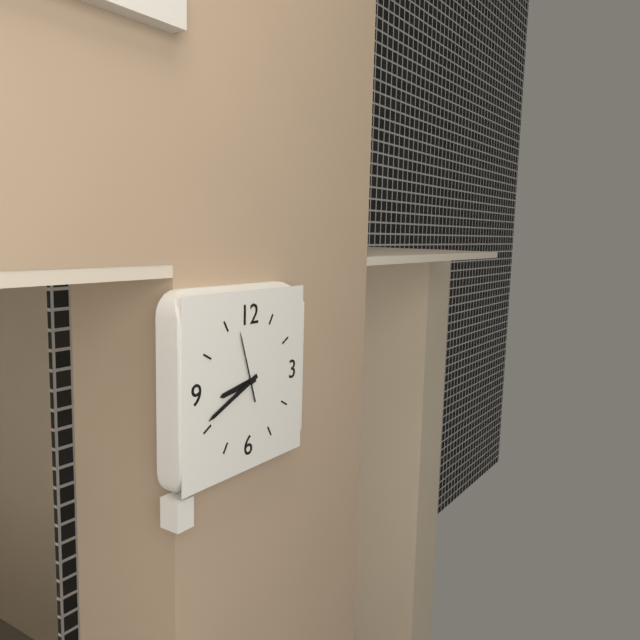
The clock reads {"hour": 8, "minute": 41, "second": 57}
